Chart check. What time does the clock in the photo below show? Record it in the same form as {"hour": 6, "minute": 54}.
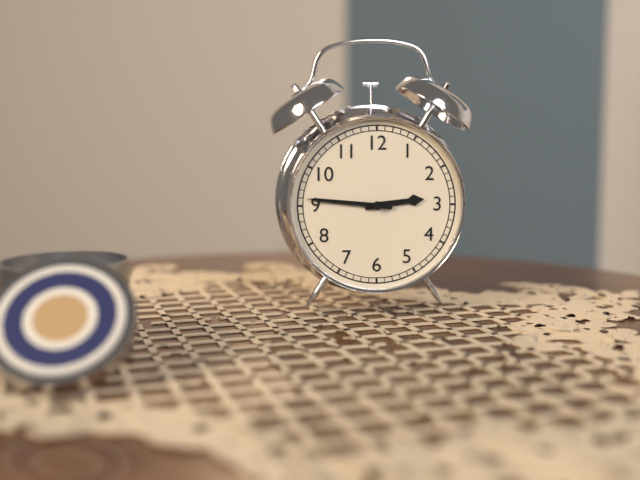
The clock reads {"hour": 2, "minute": 46}
